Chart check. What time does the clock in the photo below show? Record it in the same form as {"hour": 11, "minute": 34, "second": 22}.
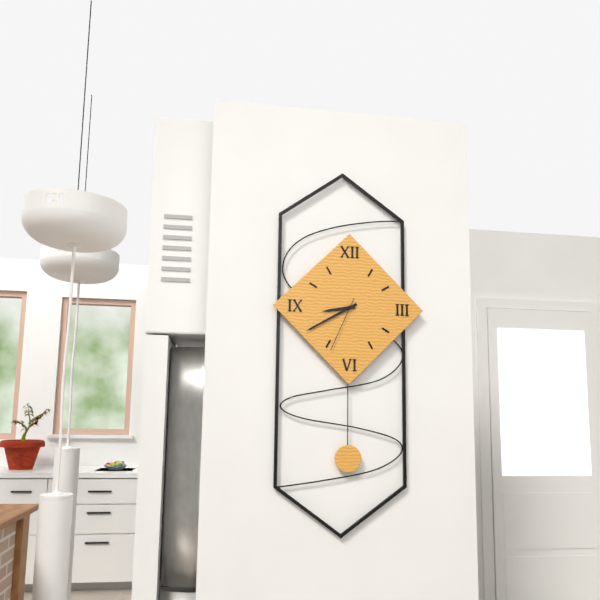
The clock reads {"hour": 8, "minute": 40, "second": 34}
